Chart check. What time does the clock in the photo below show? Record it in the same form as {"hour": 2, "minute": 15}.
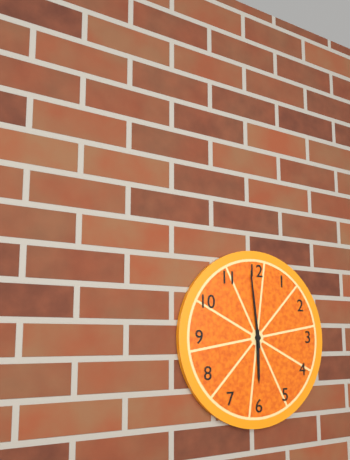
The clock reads {"hour": 5, "minute": 59}
